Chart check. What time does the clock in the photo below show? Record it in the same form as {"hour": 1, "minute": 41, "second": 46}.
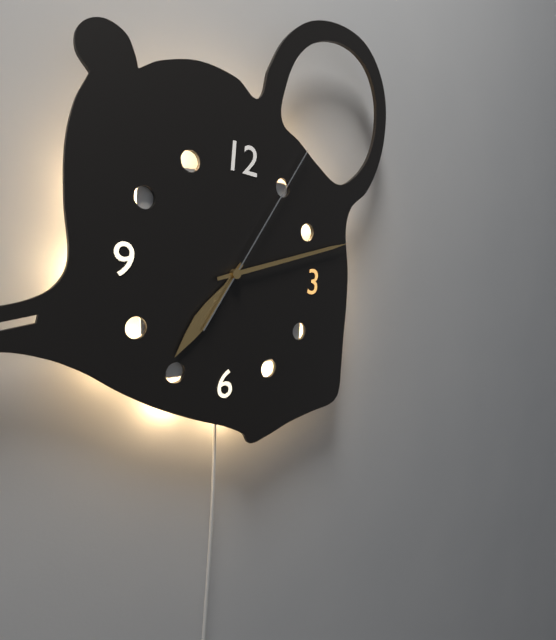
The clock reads {"hour": 7, "minute": 12, "second": 5}
